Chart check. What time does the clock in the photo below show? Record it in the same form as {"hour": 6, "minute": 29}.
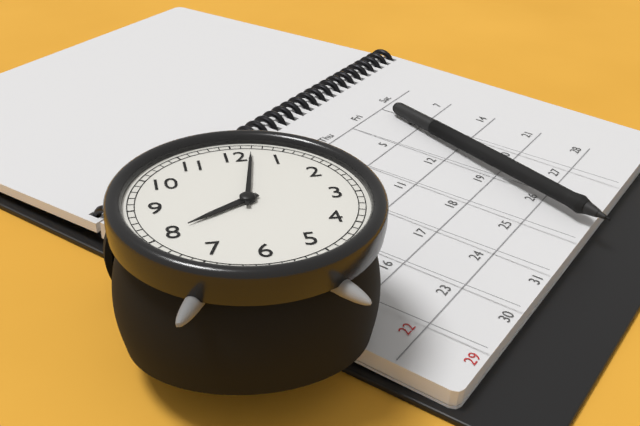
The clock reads {"hour": 8, "minute": 2}
